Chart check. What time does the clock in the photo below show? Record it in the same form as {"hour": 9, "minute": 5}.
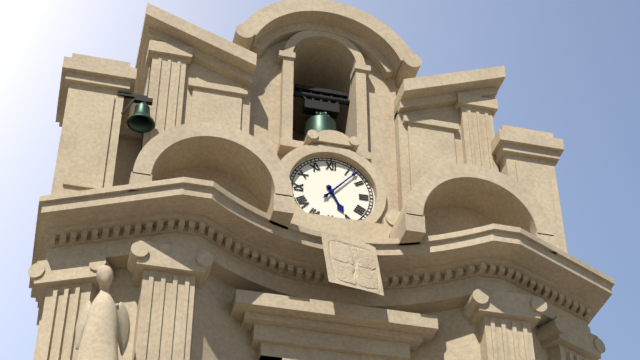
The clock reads {"hour": 5, "minute": 7}
